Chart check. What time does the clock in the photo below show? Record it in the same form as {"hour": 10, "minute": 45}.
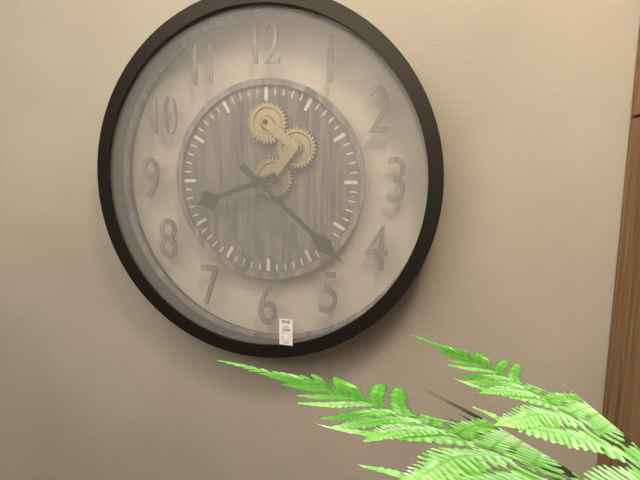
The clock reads {"hour": 8, "minute": 22}
